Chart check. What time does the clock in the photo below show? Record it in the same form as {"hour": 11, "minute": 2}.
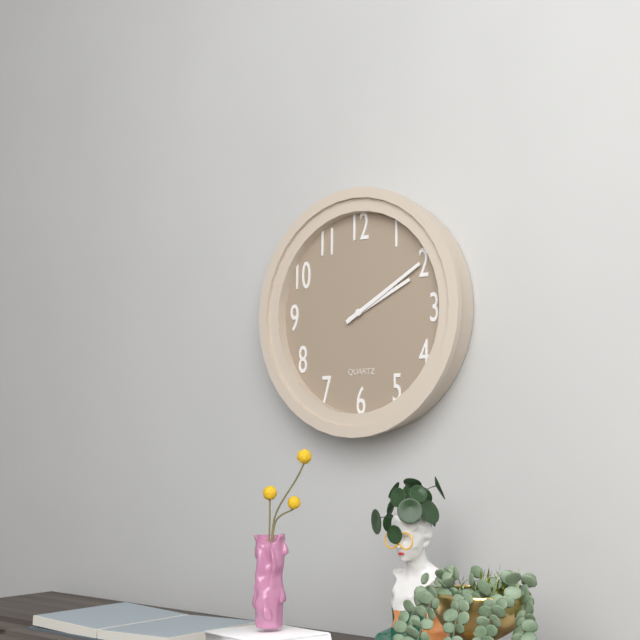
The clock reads {"hour": 2, "minute": 10}
